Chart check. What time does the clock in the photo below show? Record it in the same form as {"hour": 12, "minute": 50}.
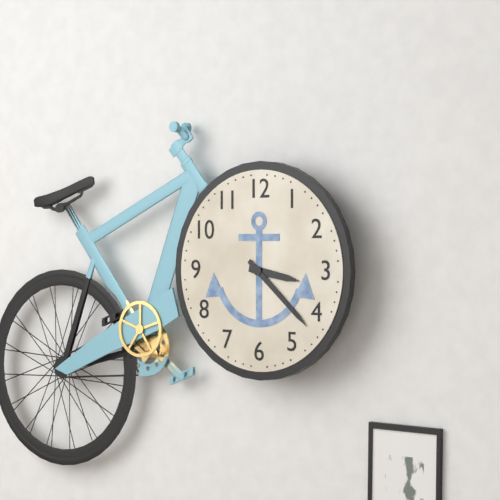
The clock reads {"hour": 3, "minute": 22}
